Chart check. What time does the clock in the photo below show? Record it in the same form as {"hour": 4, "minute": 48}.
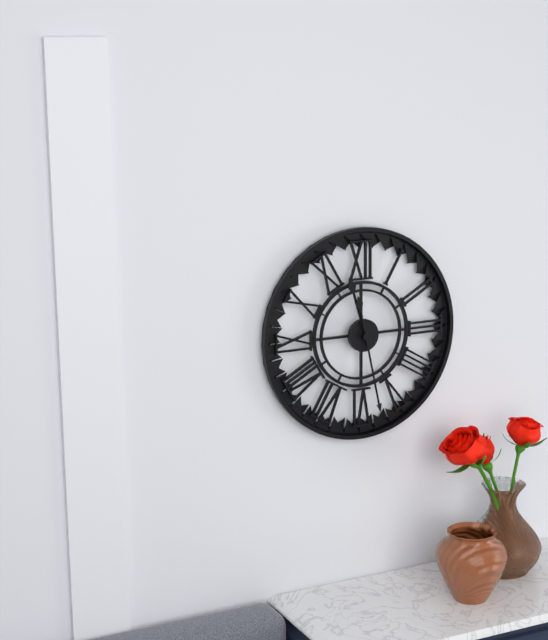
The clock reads {"hour": 11, "minute": 28}
